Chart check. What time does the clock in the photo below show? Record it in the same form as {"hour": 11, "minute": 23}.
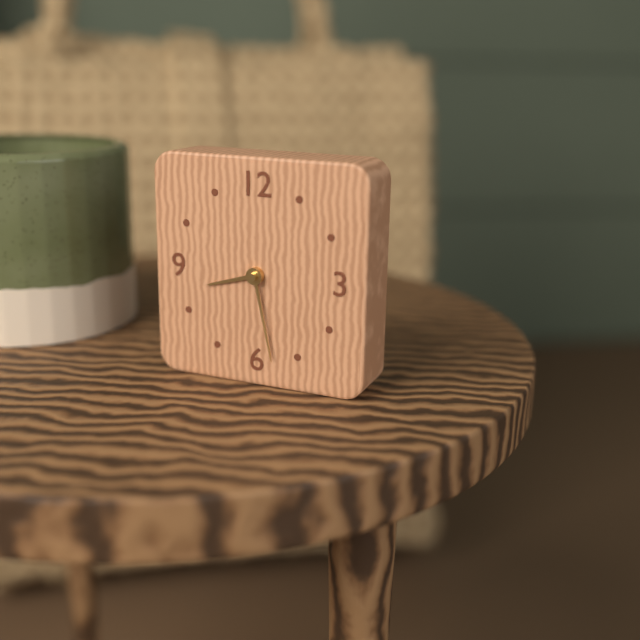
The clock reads {"hour": 8, "minute": 28}
